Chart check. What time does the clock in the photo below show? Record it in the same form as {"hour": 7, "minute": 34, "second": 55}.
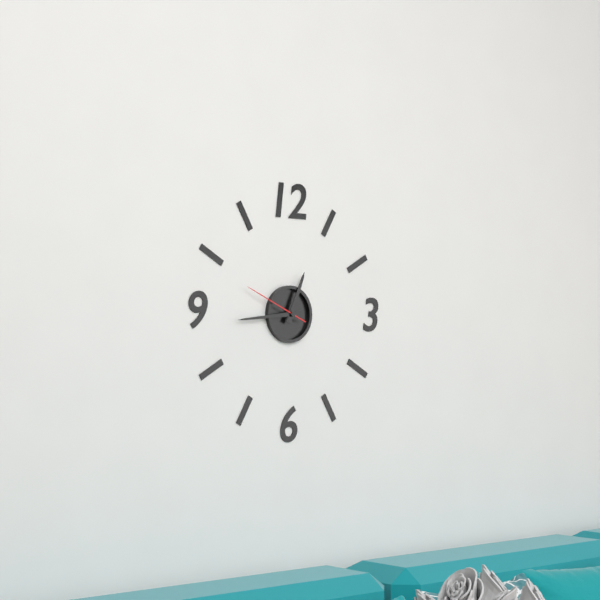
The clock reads {"hour": 12, "minute": 44, "second": 49}
